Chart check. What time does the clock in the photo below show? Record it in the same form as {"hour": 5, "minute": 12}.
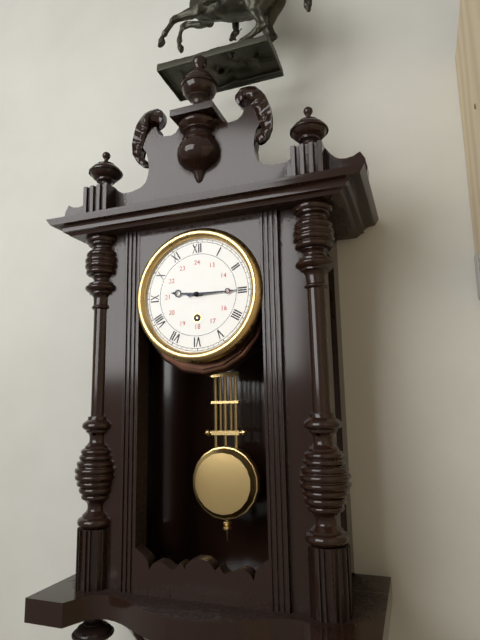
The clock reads {"hour": 9, "minute": 15}
